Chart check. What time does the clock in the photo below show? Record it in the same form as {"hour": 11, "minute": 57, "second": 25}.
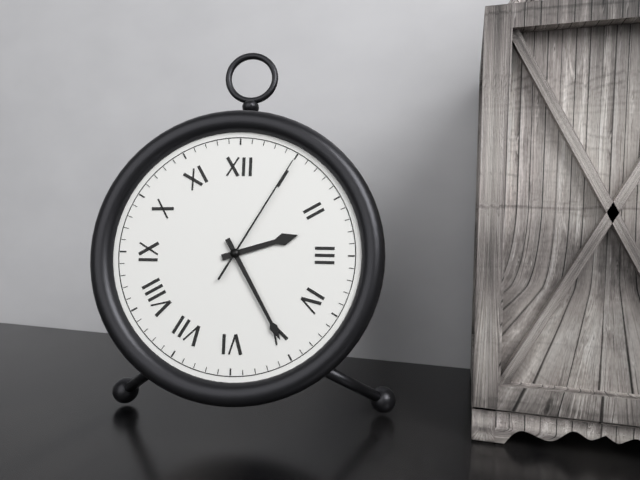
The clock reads {"hour": 2, "minute": 25, "second": 5}
